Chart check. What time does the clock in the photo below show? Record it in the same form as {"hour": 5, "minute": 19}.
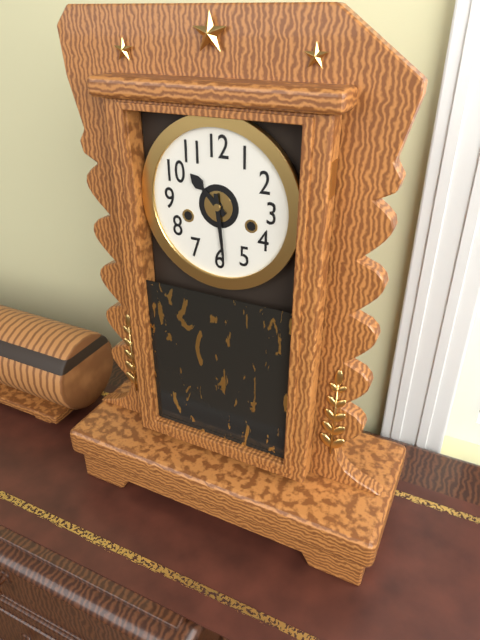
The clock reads {"hour": 10, "minute": 29}
